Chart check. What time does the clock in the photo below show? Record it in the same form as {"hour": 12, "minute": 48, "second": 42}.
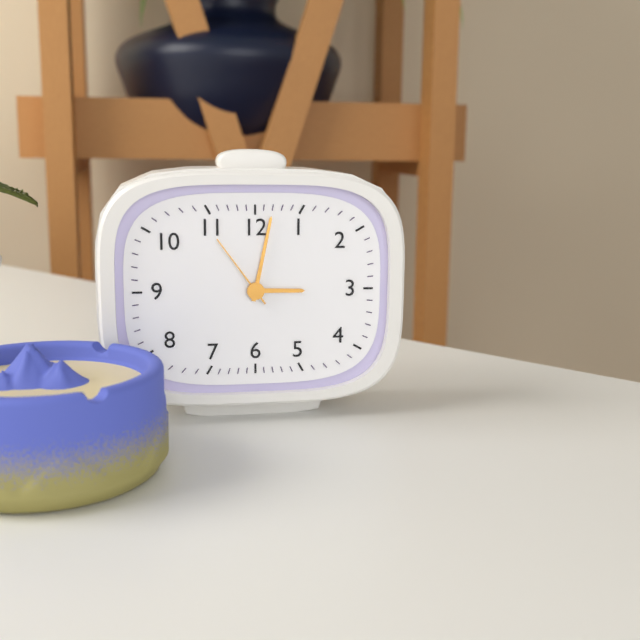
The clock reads {"hour": 3, "minute": 2, "second": 54}
